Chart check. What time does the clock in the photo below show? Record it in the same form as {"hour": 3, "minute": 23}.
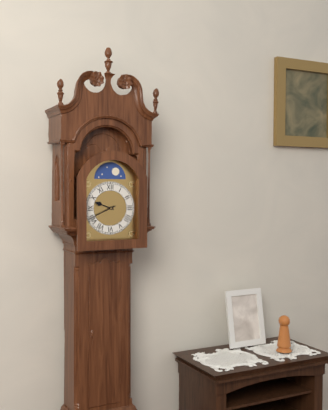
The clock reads {"hour": 9, "minute": 41}
